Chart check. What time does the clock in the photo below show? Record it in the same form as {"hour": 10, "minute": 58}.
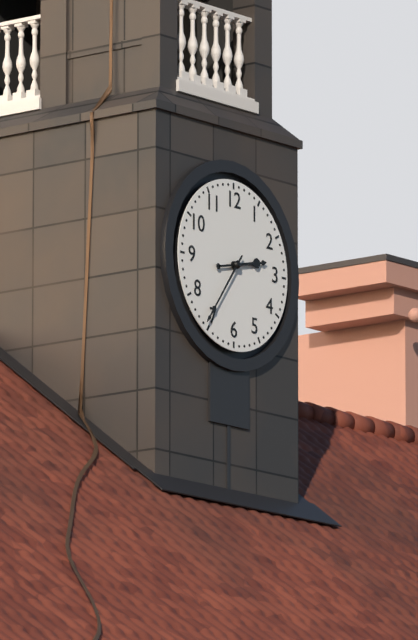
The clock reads {"hour": 2, "minute": 36}
